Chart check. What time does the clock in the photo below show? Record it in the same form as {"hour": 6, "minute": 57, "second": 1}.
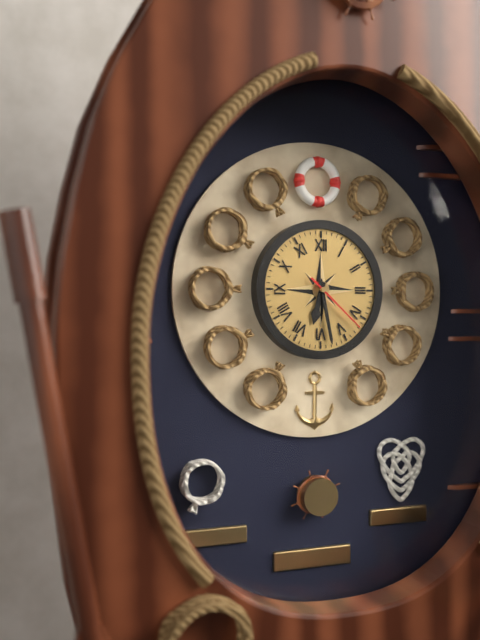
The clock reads {"hour": 6, "minute": 28, "second": 22}
